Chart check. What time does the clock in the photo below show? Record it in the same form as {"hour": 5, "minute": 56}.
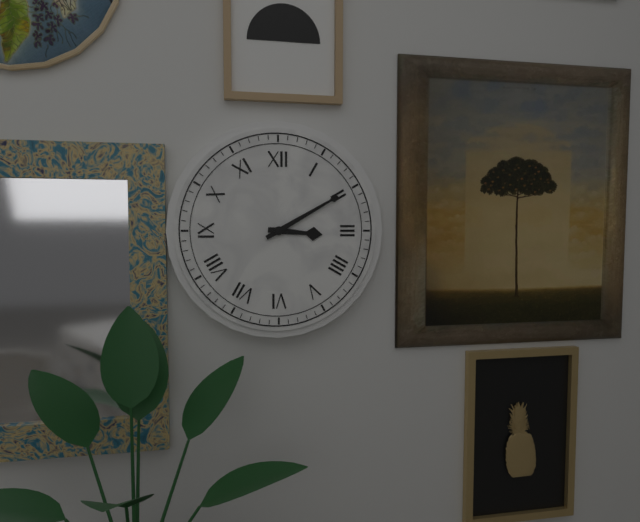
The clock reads {"hour": 3, "minute": 10}
